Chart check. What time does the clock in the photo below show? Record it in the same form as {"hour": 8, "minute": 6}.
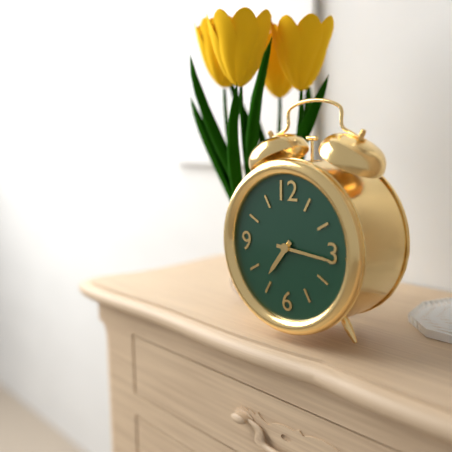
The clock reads {"hour": 7, "minute": 16}
